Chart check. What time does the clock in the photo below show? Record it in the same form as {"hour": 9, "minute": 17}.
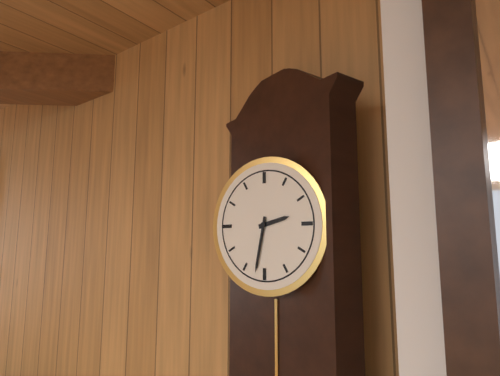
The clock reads {"hour": 2, "minute": 32}
